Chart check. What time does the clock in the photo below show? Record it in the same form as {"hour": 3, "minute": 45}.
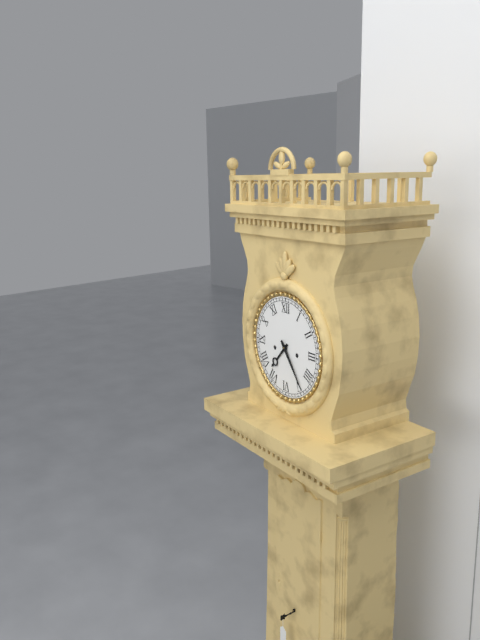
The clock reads {"hour": 7, "minute": 24}
